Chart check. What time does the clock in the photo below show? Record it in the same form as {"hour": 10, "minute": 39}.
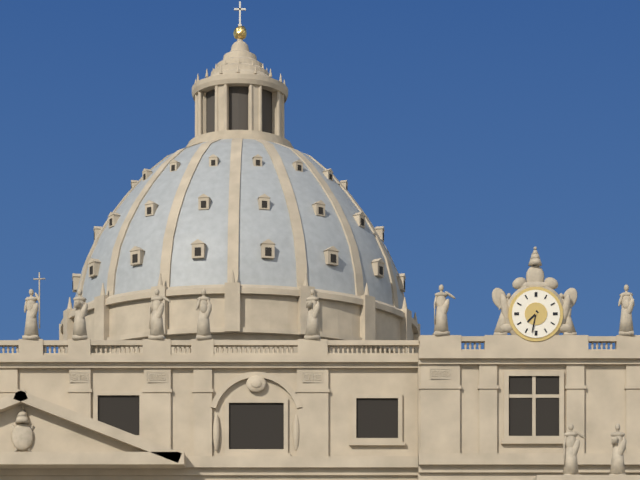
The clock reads {"hour": 7, "minute": 32}
